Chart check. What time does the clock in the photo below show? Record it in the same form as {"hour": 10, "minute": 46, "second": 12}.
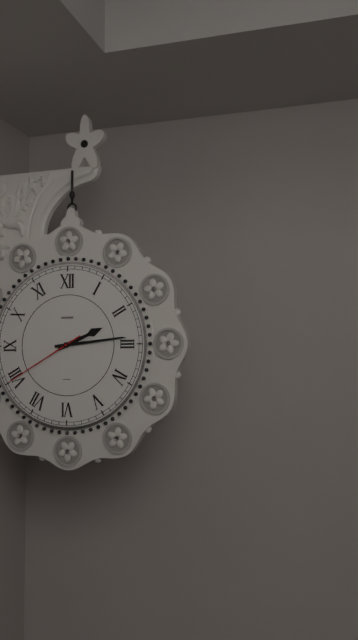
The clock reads {"hour": 2, "minute": 14, "second": 40}
